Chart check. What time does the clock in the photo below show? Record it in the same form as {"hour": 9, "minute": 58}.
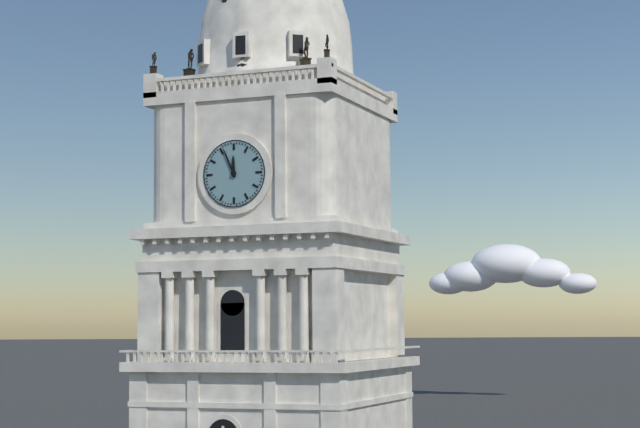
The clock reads {"hour": 11, "minute": 56}
